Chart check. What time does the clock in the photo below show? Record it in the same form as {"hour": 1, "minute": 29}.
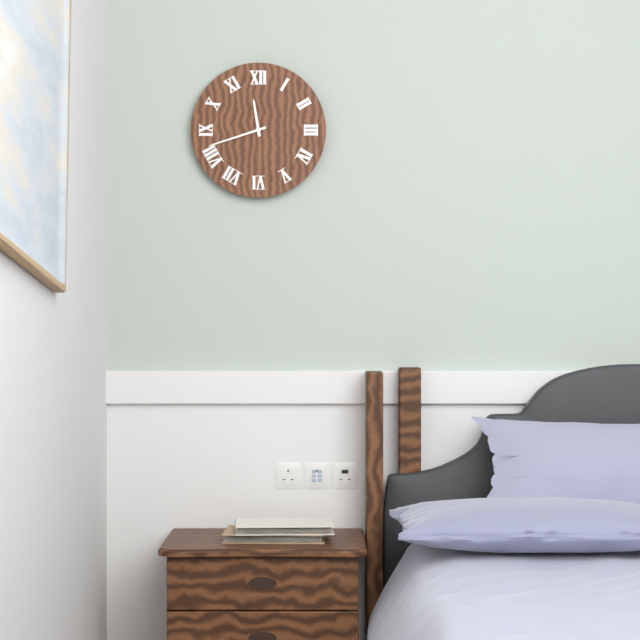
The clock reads {"hour": 11, "minute": 42}
